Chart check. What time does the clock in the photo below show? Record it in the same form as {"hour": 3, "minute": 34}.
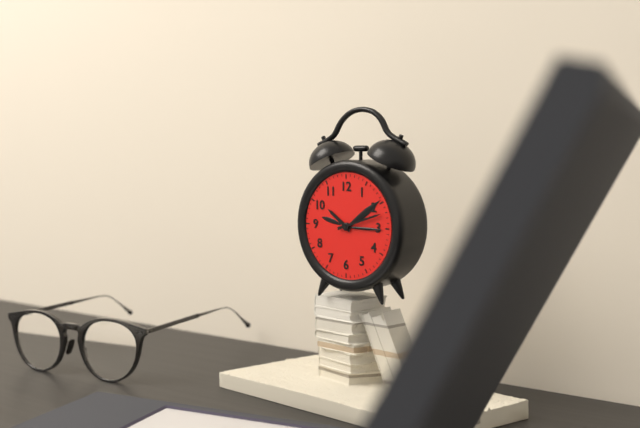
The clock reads {"hour": 10, "minute": 12}
